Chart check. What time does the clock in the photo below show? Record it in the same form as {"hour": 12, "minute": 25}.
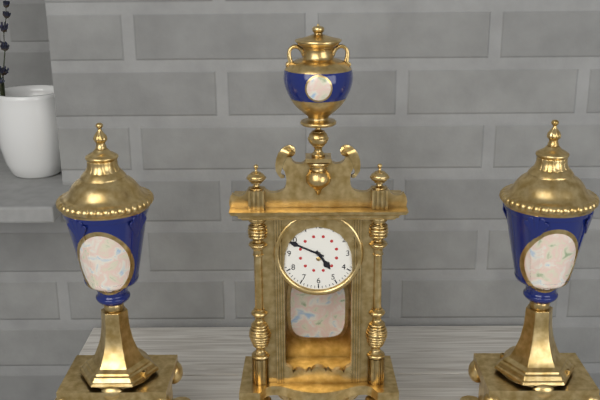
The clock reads {"hour": 4, "minute": 49}
